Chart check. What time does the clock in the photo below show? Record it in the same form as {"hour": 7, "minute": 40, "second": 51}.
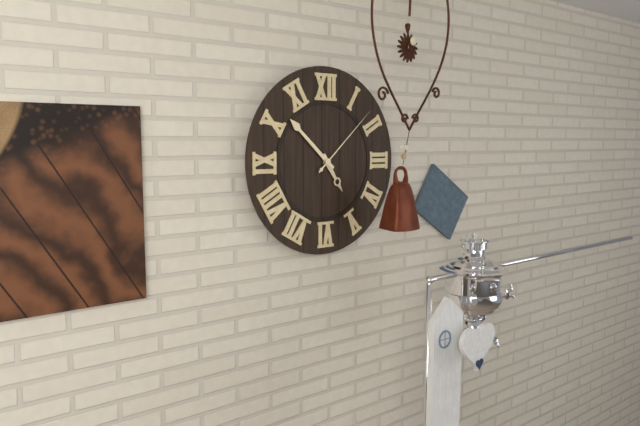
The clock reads {"hour": 4, "minute": 52, "second": 8}
